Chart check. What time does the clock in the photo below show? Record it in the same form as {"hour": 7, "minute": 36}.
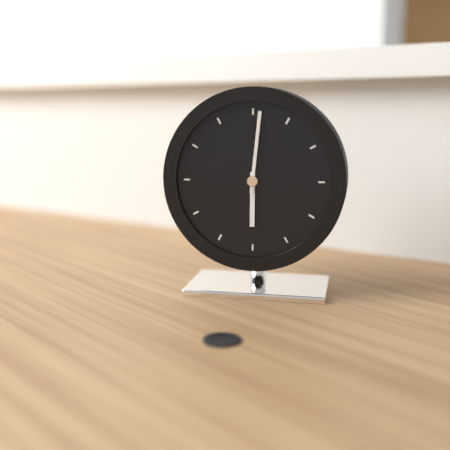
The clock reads {"hour": 6, "minute": 1}
